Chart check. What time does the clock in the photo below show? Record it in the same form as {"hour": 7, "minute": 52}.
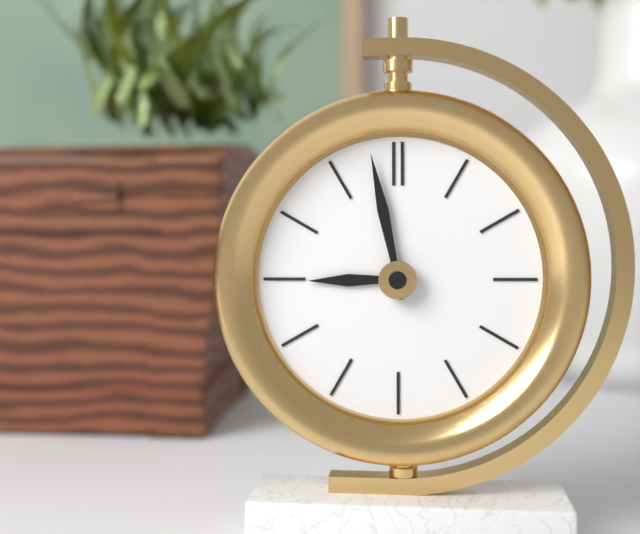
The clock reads {"hour": 8, "minute": 58}
